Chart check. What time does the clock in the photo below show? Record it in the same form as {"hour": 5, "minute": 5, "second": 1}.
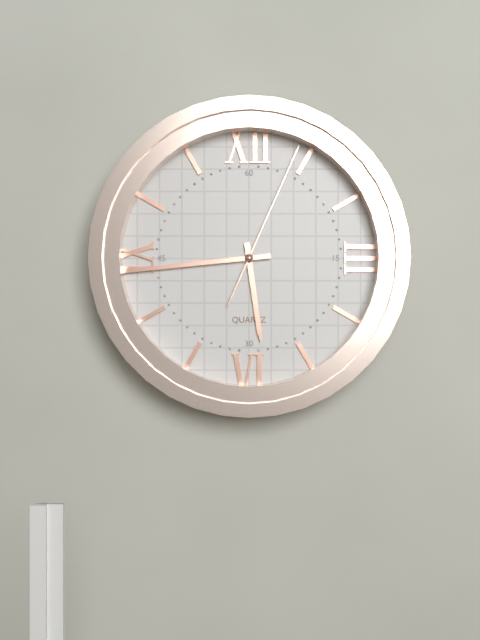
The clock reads {"hour": 5, "minute": 44, "second": 4}
